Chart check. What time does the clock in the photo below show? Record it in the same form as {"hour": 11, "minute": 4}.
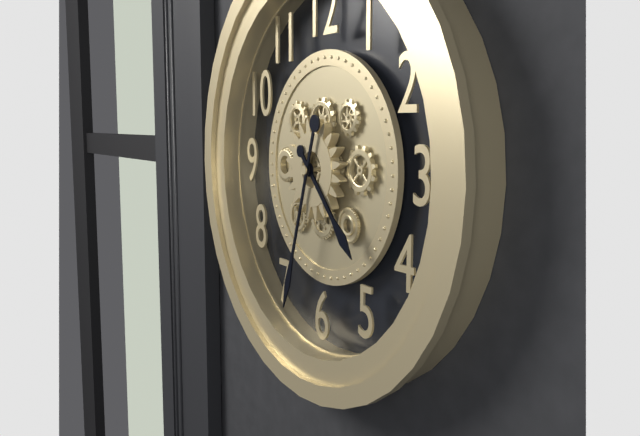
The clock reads {"hour": 4, "minute": 33}
